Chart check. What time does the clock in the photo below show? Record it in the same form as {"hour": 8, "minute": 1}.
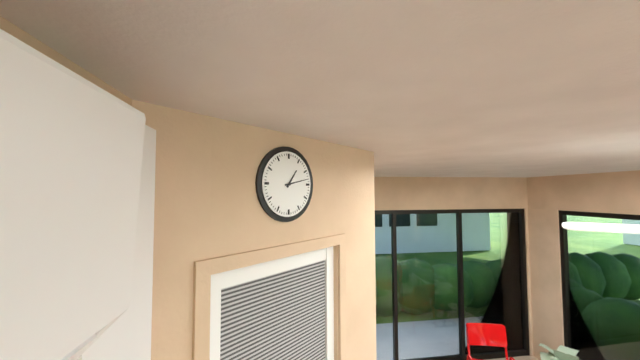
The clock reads {"hour": 1, "minute": 13}
